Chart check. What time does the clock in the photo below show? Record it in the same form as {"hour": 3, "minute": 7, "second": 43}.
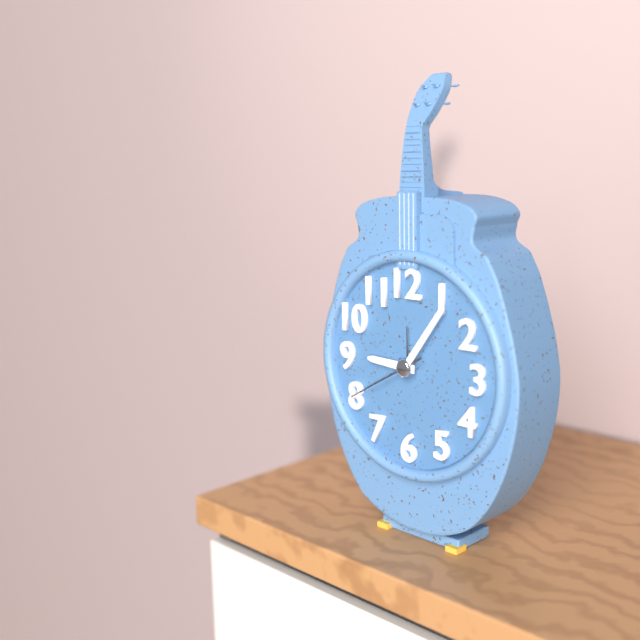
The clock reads {"hour": 9, "minute": 6, "second": 40}
